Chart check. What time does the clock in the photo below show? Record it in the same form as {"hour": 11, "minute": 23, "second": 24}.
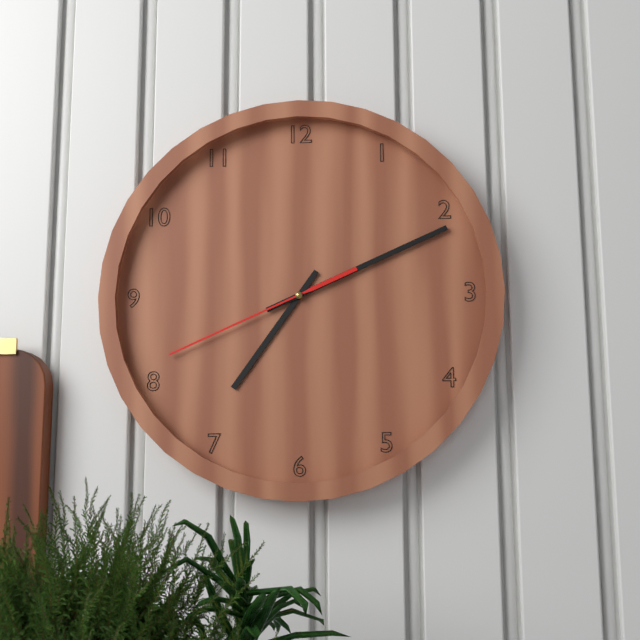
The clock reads {"hour": 7, "minute": 11, "second": 41}
